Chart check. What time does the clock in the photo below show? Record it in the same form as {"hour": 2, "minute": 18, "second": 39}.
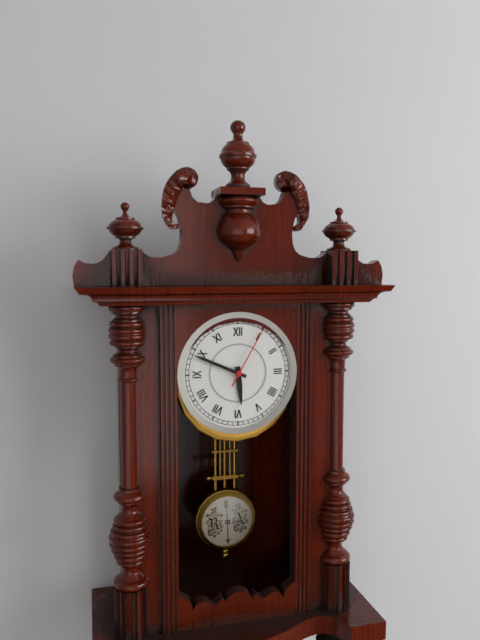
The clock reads {"hour": 5, "minute": 49, "second": 5}
